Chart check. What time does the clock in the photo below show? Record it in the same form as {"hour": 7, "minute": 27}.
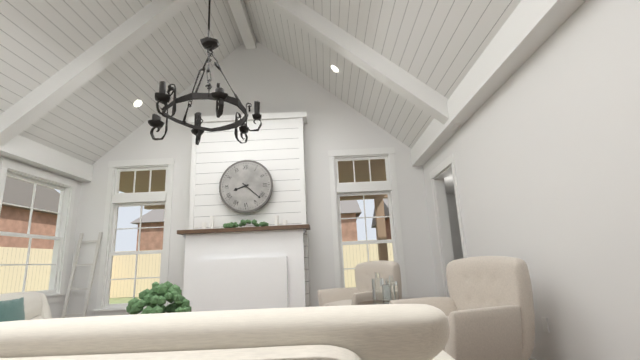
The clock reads {"hour": 8, "minute": 22}
